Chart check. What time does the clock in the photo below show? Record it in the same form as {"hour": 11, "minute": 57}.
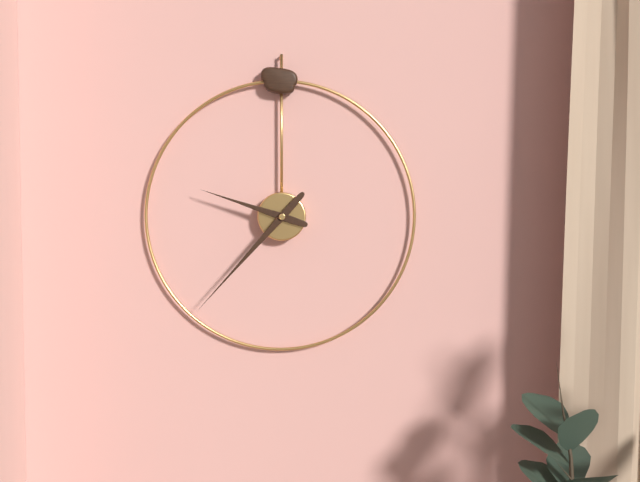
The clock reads {"hour": 9, "minute": 37}
